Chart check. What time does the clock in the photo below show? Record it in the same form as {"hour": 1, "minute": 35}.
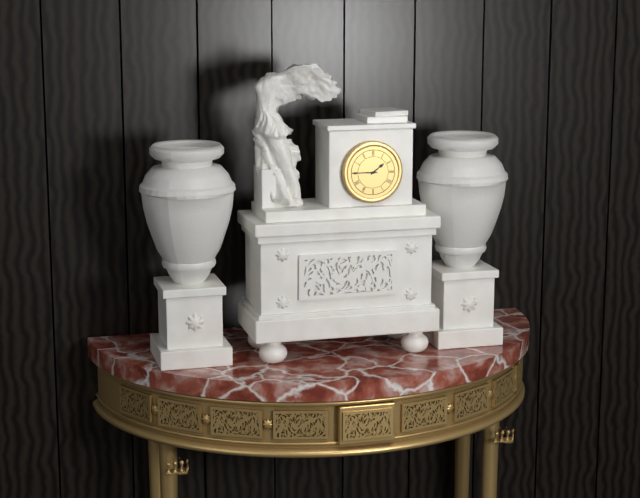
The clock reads {"hour": 1, "minute": 45}
